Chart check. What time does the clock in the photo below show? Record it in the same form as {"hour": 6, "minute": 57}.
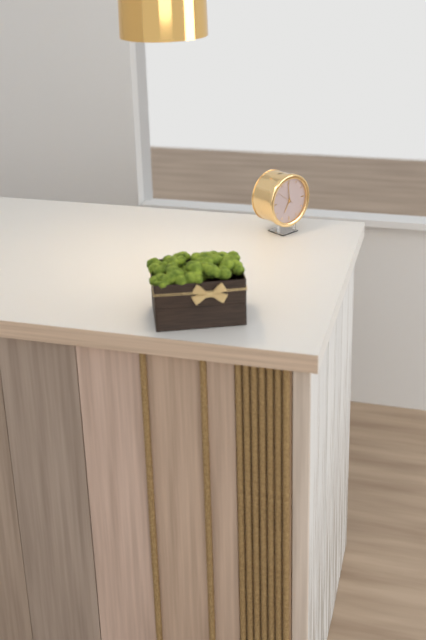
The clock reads {"hour": 6, "minute": 59}
